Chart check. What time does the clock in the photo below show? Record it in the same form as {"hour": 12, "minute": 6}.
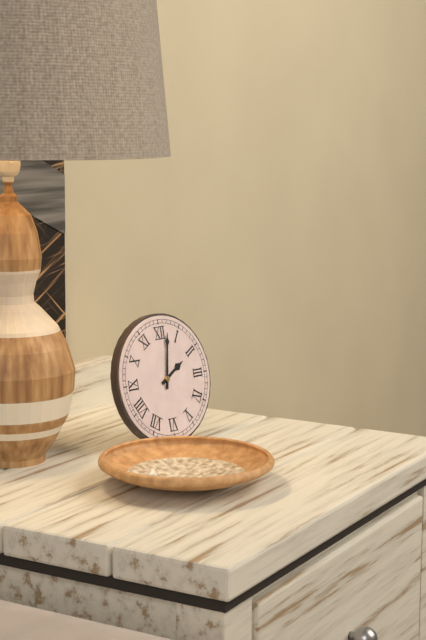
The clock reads {"hour": 2, "minute": 2}
